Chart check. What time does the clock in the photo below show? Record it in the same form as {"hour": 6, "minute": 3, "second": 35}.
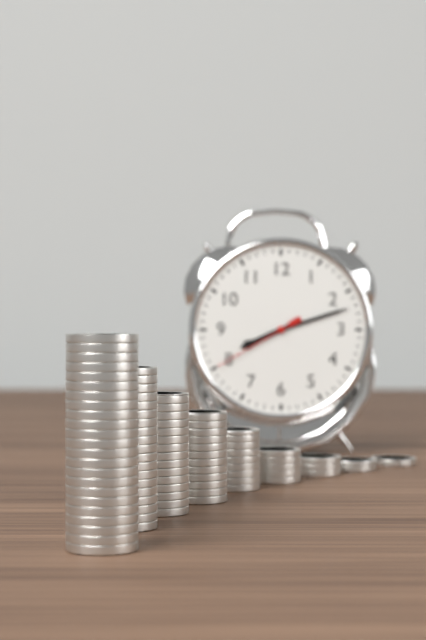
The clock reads {"hour": 8, "minute": 12, "second": 40}
